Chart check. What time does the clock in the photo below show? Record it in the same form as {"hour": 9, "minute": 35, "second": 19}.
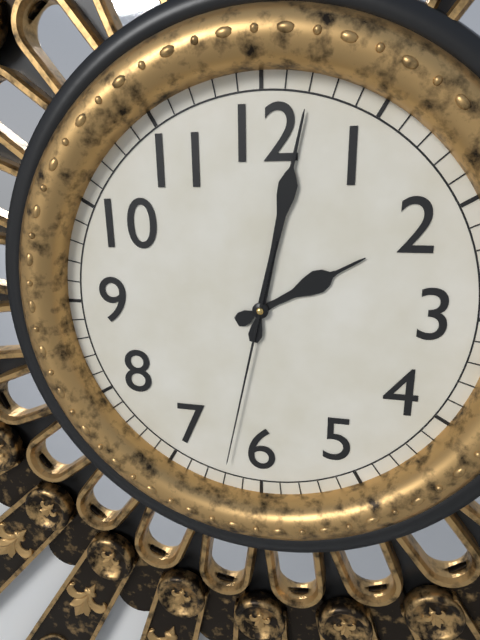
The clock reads {"hour": 2, "minute": 2, "second": 32}
